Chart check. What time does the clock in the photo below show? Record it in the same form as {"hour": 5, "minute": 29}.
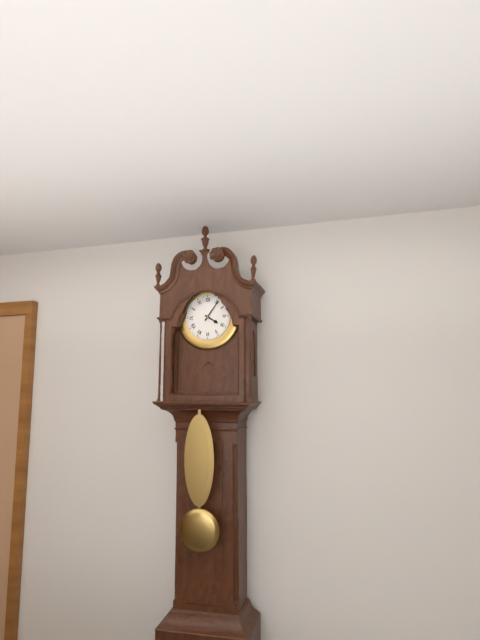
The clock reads {"hour": 4, "minute": 6}
